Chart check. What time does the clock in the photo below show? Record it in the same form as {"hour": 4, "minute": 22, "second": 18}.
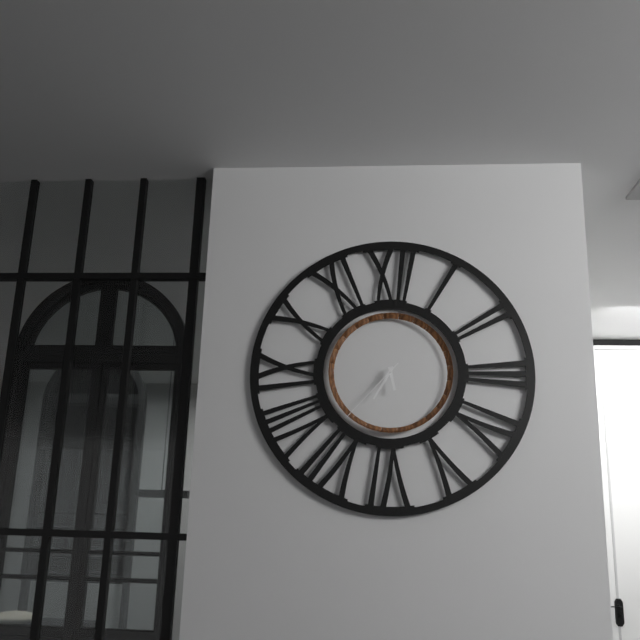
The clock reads {"hour": 5, "minute": 35, "second": 37}
